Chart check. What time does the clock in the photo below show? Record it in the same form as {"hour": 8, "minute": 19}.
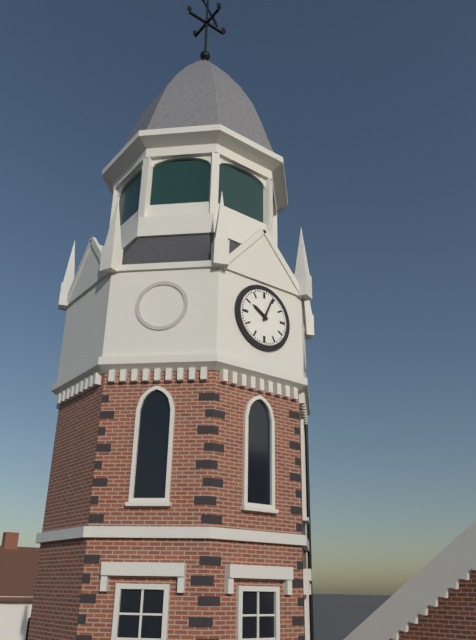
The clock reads {"hour": 10, "minute": 4}
